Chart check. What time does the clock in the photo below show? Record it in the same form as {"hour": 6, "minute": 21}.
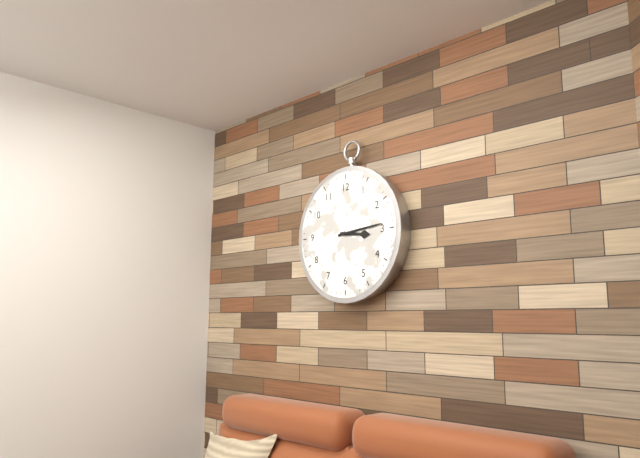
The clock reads {"hour": 3, "minute": 14}
